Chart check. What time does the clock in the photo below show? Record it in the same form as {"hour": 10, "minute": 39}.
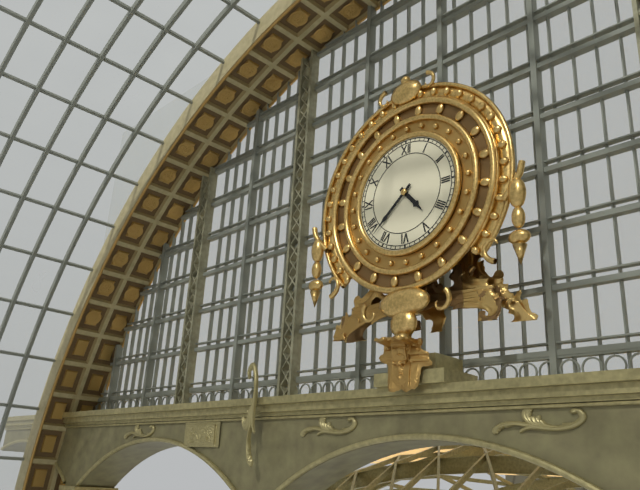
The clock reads {"hour": 4, "minute": 38}
